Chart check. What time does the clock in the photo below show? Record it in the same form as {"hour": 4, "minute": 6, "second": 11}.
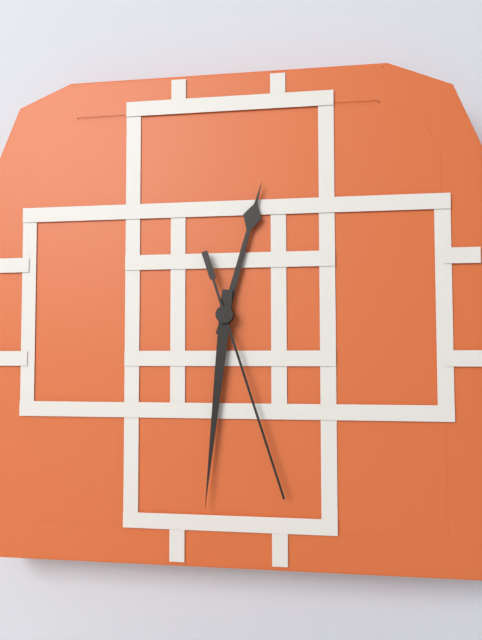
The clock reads {"hour": 12, "minute": 31, "second": 27}
